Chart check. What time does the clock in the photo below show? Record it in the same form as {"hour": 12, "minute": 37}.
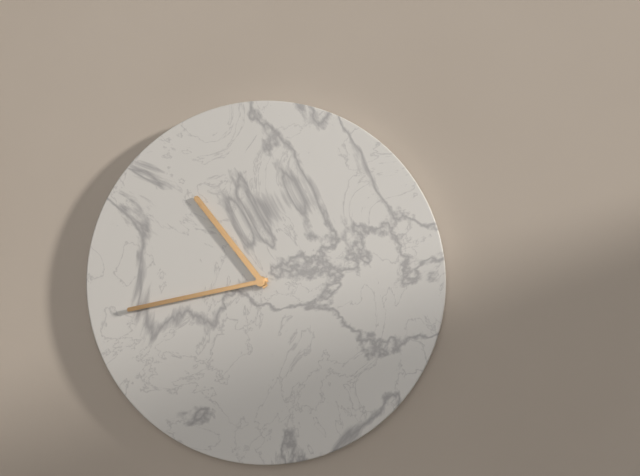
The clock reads {"hour": 10, "minute": 43}
